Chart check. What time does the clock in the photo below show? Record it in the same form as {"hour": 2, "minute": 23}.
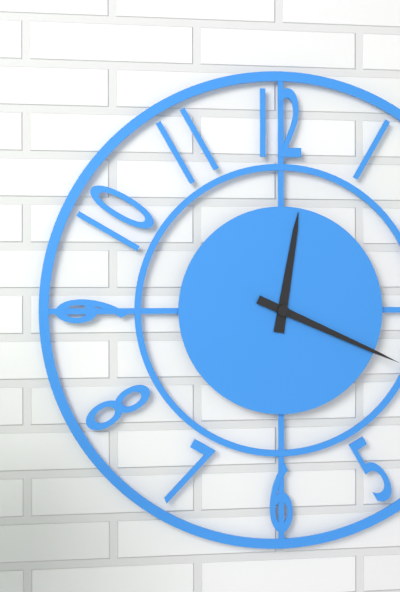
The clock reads {"hour": 12, "minute": 19}
